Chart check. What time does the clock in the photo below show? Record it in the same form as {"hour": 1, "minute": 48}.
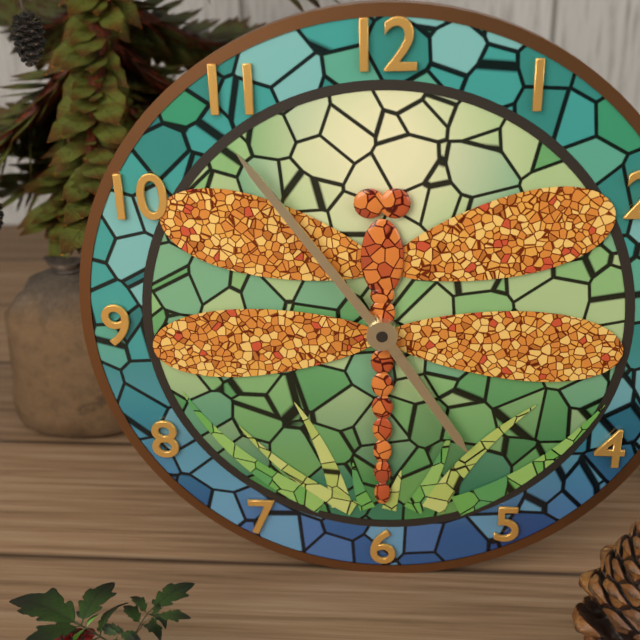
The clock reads {"hour": 4, "minute": 54}
